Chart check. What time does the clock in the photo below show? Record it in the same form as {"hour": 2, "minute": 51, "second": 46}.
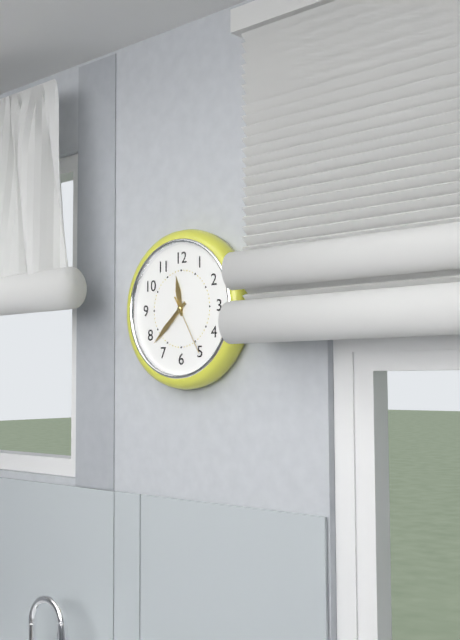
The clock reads {"hour": 11, "minute": 38, "second": 25}
